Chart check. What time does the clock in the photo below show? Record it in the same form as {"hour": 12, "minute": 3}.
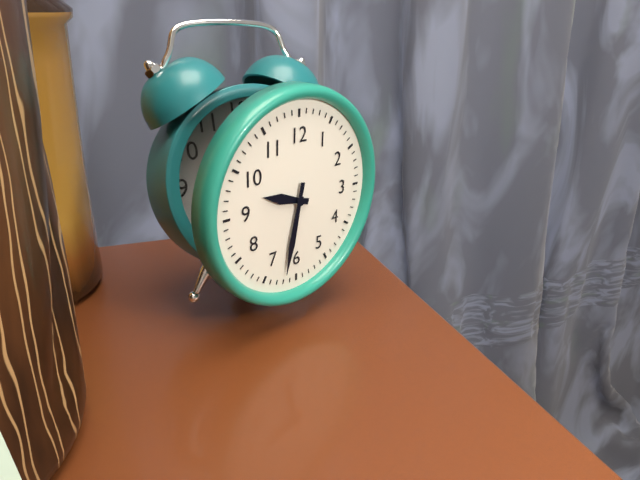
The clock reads {"hour": 9, "minute": 32}
